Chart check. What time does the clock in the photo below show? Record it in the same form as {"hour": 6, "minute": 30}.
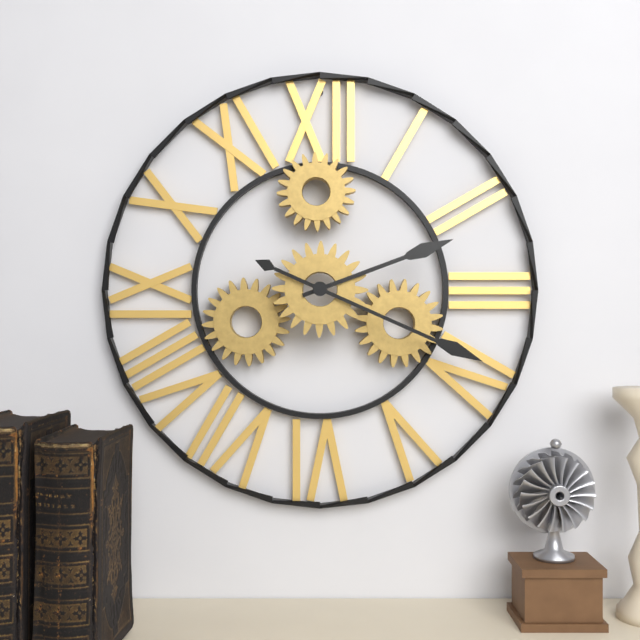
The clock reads {"hour": 2, "minute": 19}
